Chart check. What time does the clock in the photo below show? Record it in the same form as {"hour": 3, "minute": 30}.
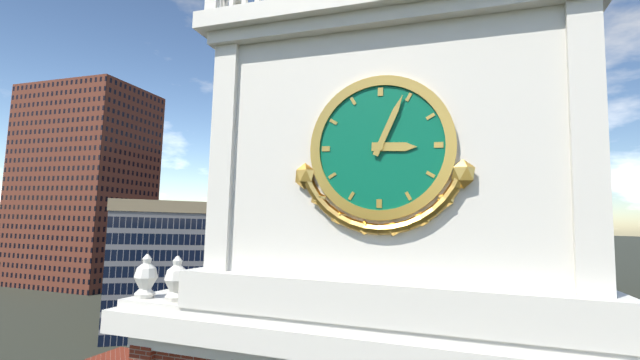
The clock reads {"hour": 3, "minute": 4}
